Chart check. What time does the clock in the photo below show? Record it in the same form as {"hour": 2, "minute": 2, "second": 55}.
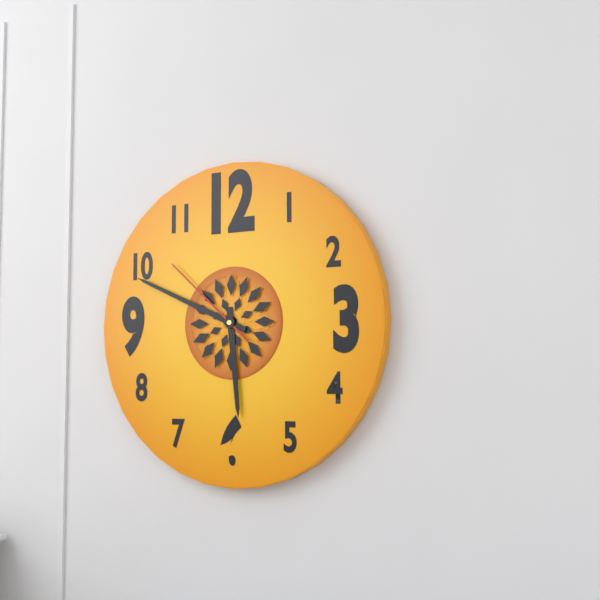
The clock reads {"hour": 5, "minute": 49, "second": 52}
